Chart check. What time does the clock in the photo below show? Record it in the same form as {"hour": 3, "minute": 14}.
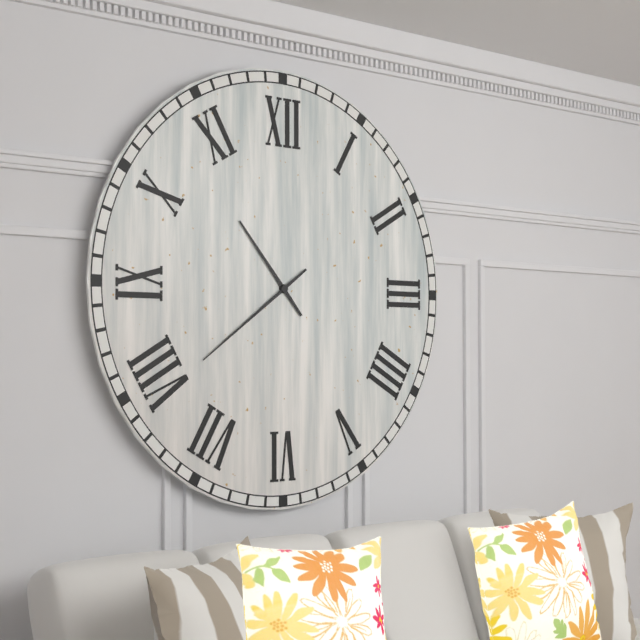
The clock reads {"hour": 10, "minute": 39}
